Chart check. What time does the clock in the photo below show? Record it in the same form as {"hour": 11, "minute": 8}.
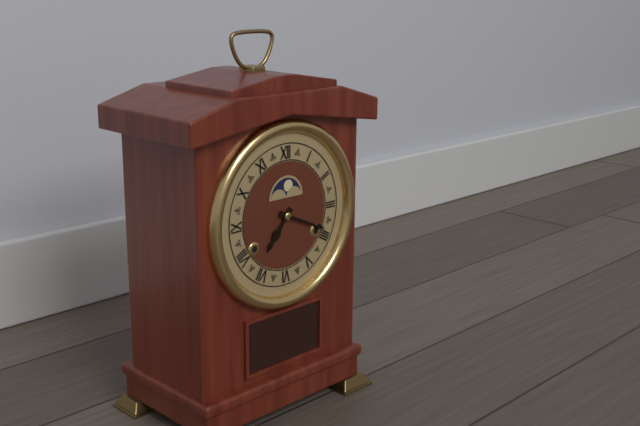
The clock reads {"hour": 7, "minute": 19}
